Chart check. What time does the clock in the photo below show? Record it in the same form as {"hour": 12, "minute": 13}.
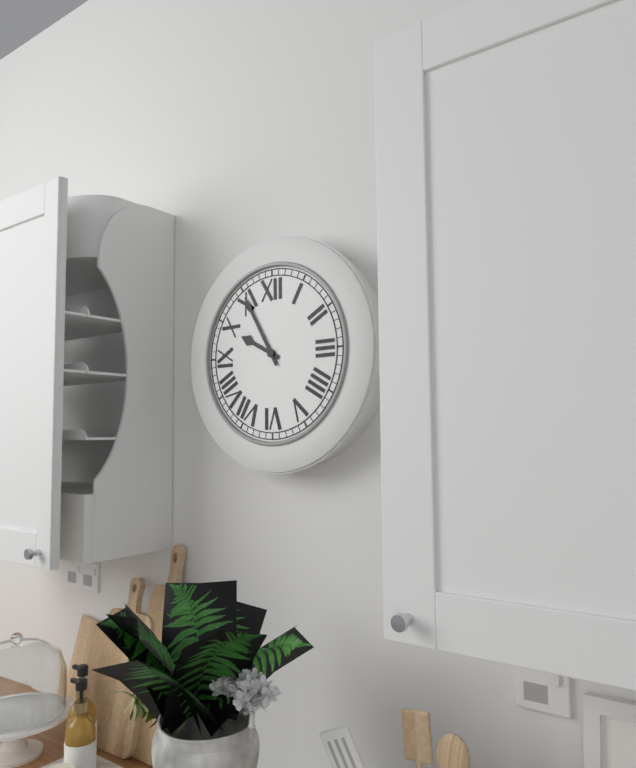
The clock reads {"hour": 9, "minute": 55}
